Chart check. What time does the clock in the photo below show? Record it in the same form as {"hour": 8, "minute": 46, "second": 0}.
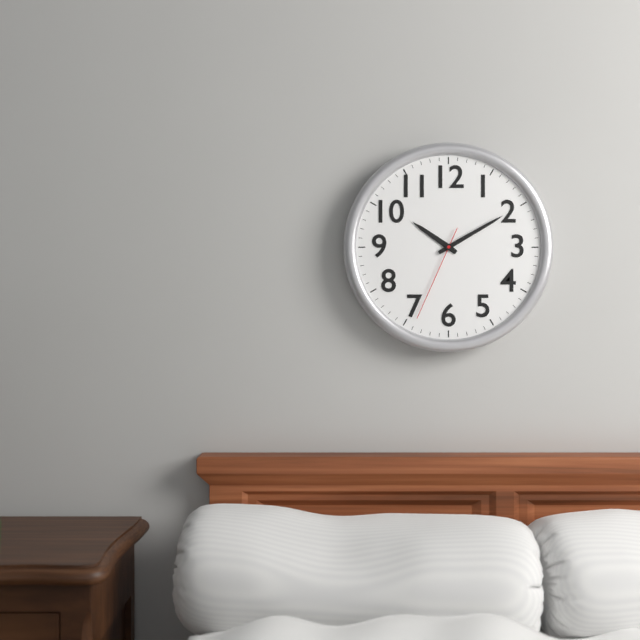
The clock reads {"hour": 10, "minute": 10, "second": 34}
